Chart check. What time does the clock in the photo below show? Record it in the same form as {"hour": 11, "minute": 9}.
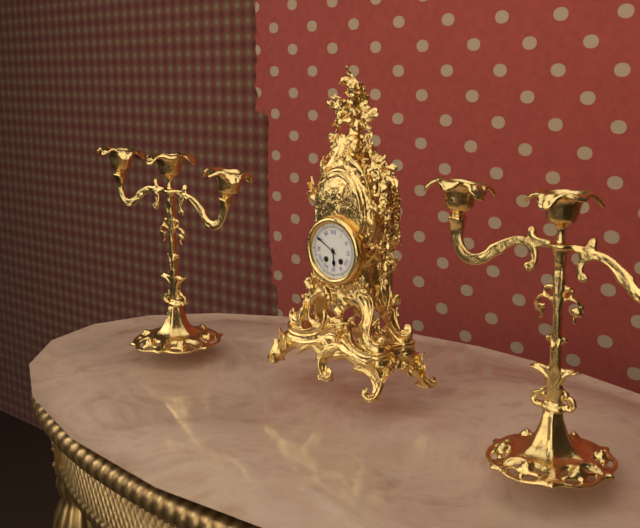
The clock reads {"hour": 5, "minute": 50}
